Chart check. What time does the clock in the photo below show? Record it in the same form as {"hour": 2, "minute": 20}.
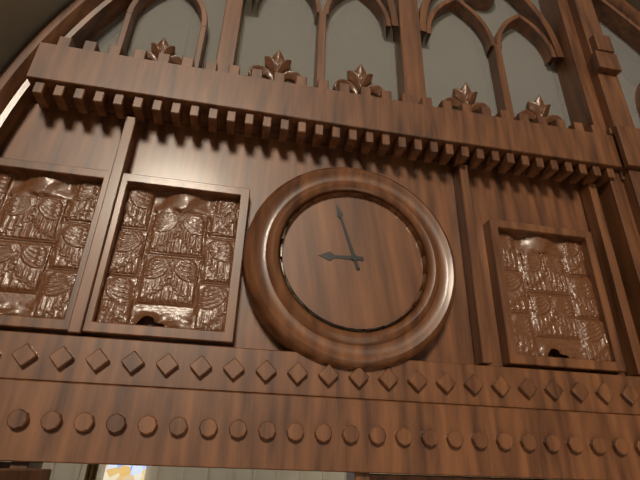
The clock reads {"hour": 8, "minute": 57}
